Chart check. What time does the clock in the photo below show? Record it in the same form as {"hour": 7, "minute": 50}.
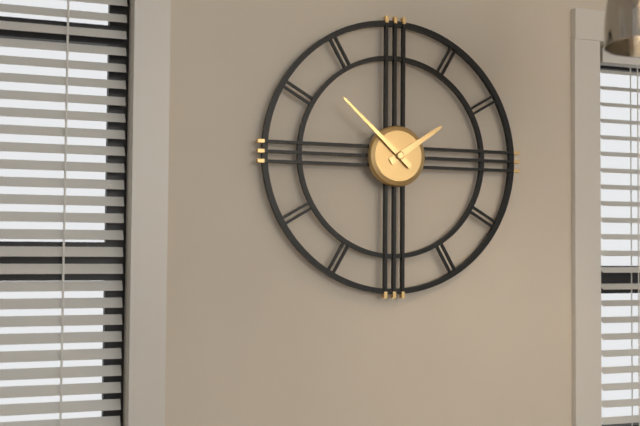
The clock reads {"hour": 1, "minute": 52}
